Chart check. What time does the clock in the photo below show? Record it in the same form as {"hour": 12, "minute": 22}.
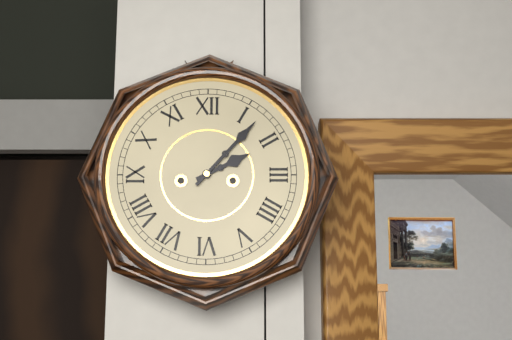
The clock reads {"hour": 2, "minute": 7}
